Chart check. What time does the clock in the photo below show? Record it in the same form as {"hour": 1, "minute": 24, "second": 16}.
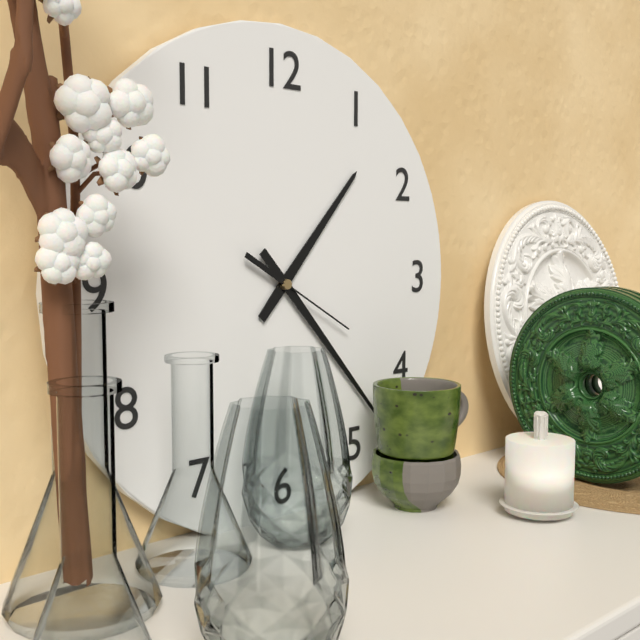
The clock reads {"hour": 1, "minute": 23, "second": 20}
